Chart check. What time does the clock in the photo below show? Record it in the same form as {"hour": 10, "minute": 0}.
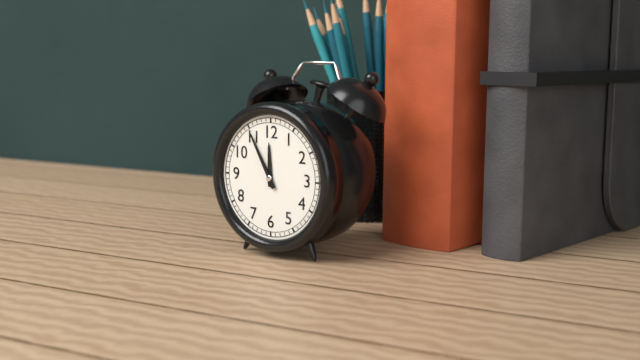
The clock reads {"hour": 11, "minute": 55}
